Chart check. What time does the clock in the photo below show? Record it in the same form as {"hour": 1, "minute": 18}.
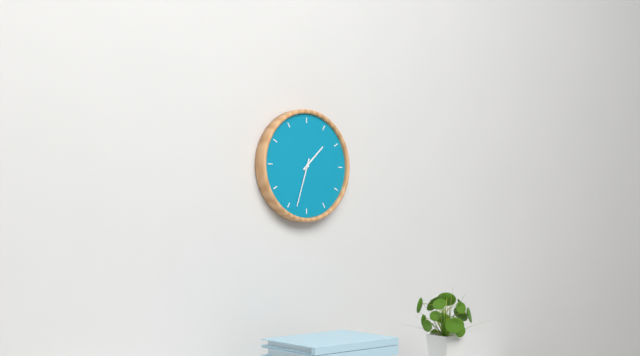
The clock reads {"hour": 1, "minute": 33}
